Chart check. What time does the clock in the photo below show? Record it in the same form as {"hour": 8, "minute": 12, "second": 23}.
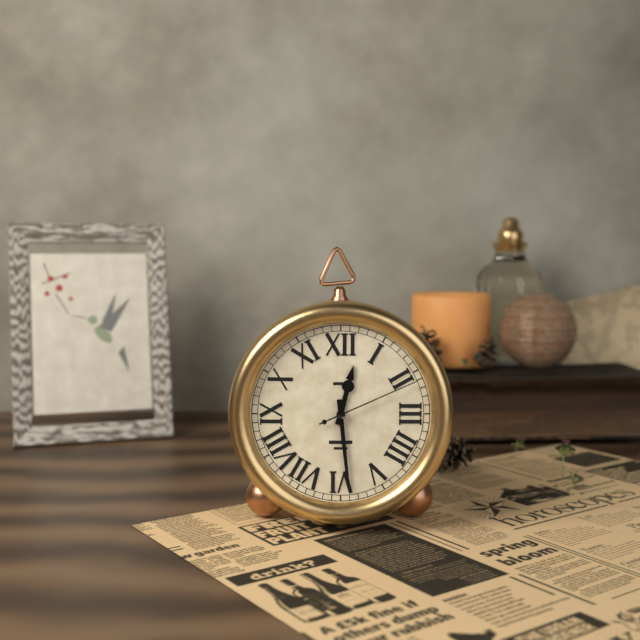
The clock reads {"hour": 12, "minute": 29, "second": 11}
